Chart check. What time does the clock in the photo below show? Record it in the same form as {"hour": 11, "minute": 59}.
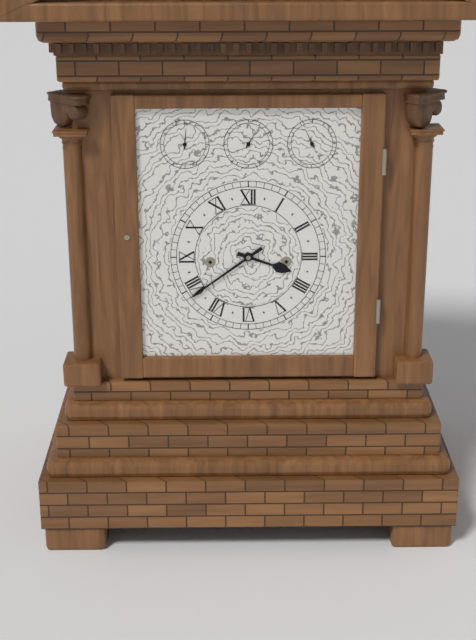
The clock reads {"hour": 3, "minute": 39}
